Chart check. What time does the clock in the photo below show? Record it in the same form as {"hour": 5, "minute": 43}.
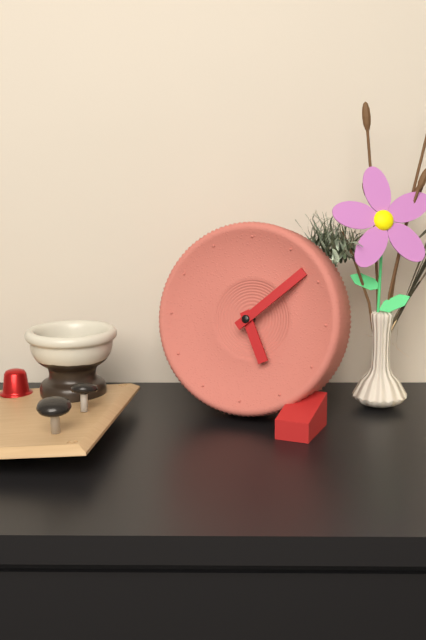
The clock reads {"hour": 5, "minute": 8}
